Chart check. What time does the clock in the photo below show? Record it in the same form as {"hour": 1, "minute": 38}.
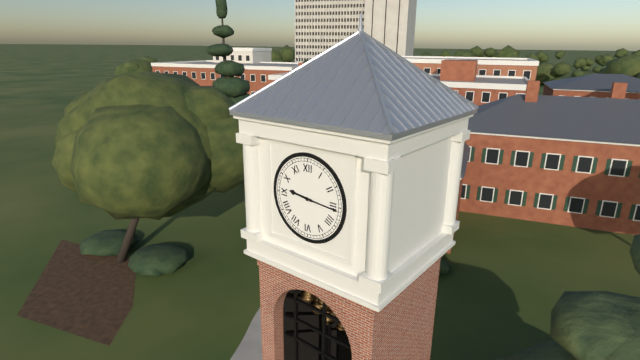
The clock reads {"hour": 9, "minute": 16}
